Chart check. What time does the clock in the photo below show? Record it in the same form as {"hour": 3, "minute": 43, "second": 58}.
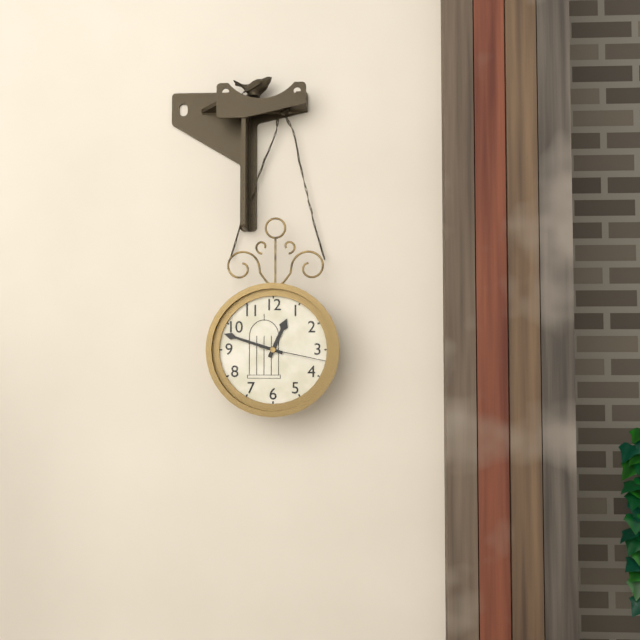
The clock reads {"hour": 12, "minute": 48, "second": 17}
